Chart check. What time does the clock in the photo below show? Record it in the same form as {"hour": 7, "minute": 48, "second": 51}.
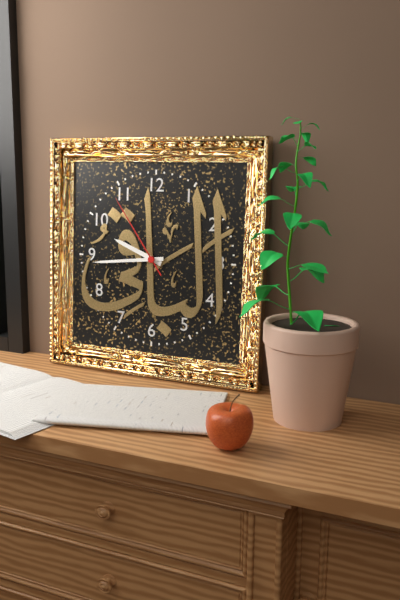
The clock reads {"hour": 9, "minute": 44, "second": 54}
